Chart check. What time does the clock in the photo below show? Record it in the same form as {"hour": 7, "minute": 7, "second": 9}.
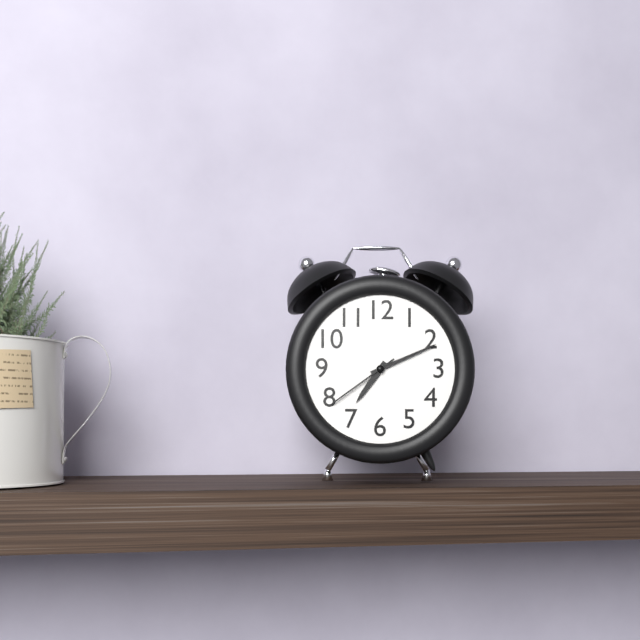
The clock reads {"hour": 7, "minute": 11, "second": 39}
